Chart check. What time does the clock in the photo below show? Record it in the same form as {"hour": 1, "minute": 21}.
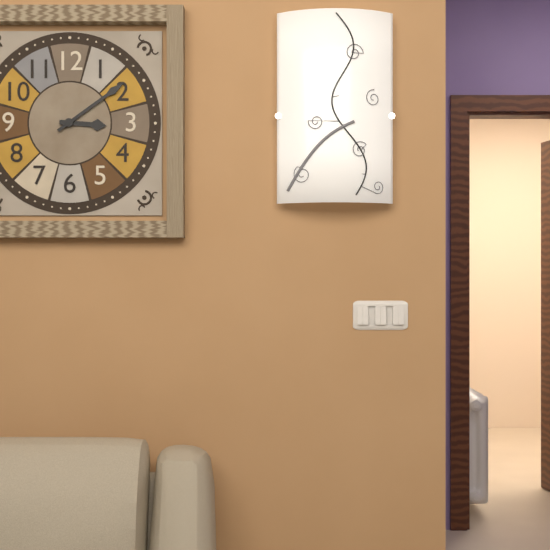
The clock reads {"hour": 3, "minute": 9}
